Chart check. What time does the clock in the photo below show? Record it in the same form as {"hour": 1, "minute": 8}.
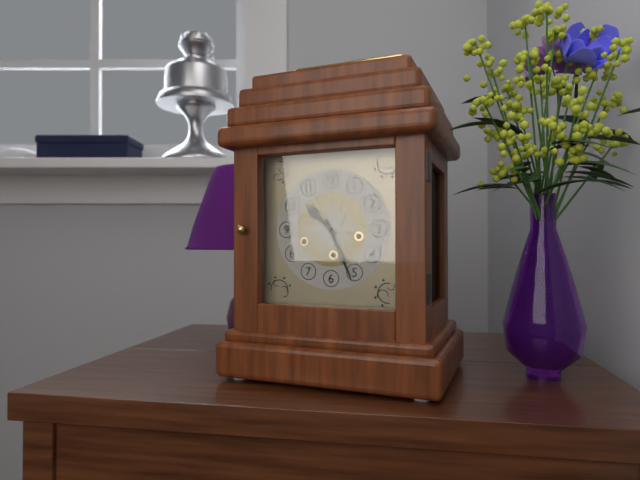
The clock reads {"hour": 10, "minute": 26}
